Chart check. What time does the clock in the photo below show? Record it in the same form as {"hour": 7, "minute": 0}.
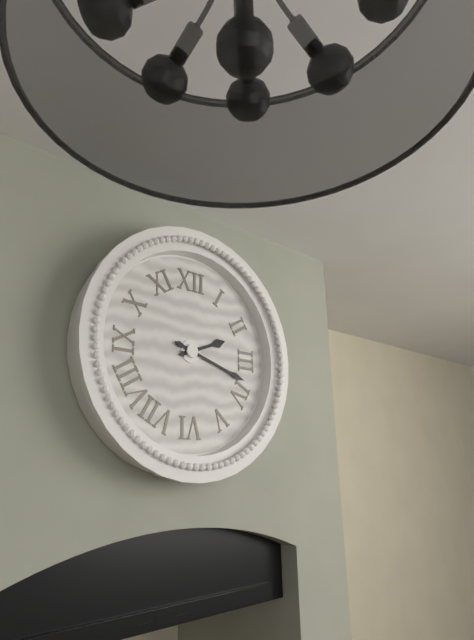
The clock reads {"hour": 2, "minute": 18}
